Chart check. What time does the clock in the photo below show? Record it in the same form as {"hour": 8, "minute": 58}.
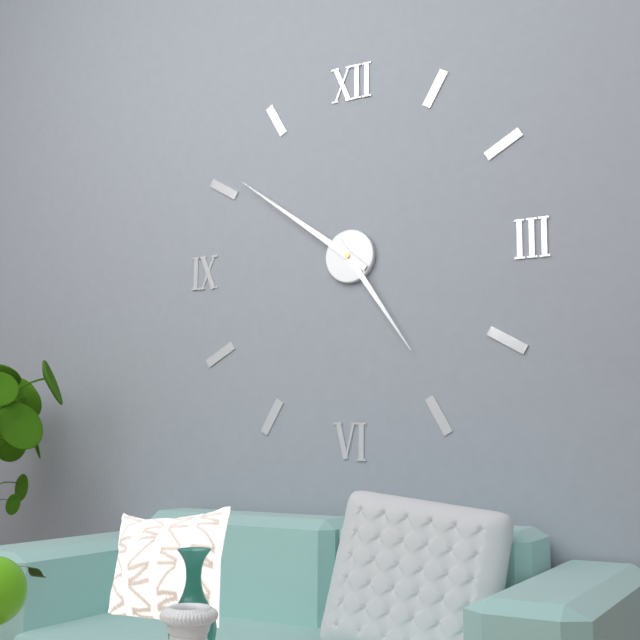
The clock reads {"hour": 4, "minute": 51}
